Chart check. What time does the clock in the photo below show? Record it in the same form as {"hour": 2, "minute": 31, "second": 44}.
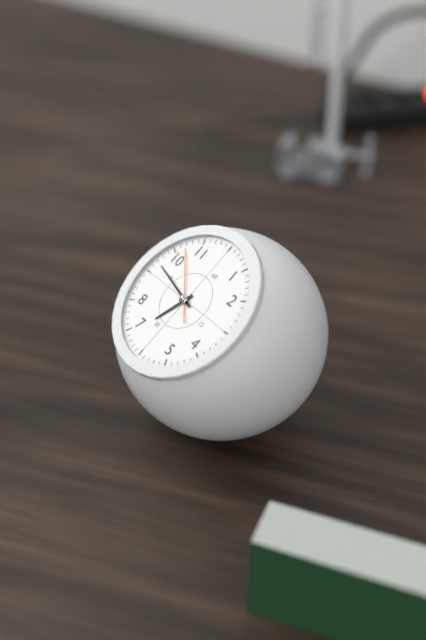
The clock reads {"hour": 6, "minute": 47, "second": 52}
